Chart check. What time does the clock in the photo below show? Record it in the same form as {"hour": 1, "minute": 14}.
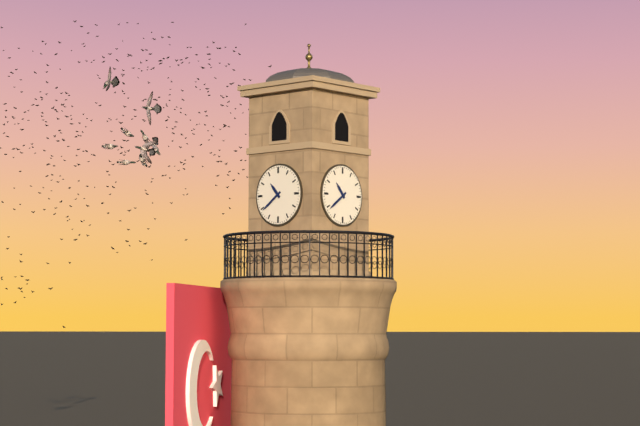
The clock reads {"hour": 10, "minute": 39}
